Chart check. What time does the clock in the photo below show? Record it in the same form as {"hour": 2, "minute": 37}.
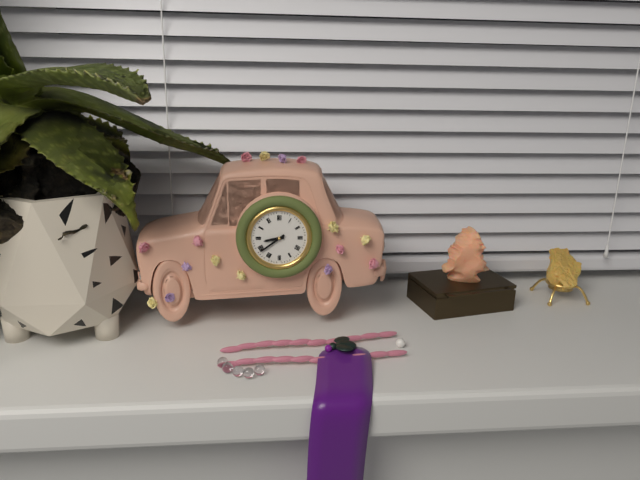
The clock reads {"hour": 8, "minute": 39}
